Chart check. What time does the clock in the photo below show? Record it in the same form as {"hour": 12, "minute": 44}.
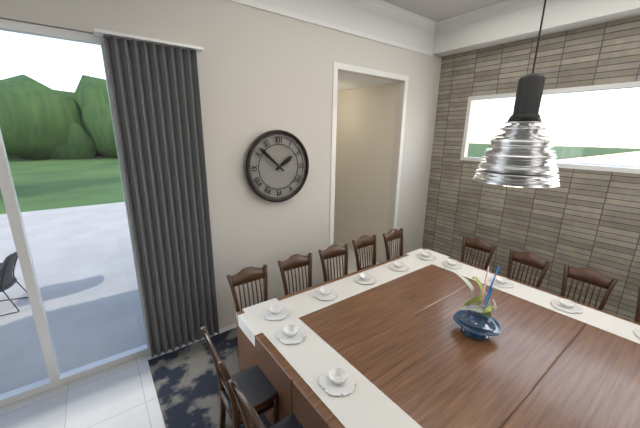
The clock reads {"hour": 1, "minute": 52}
